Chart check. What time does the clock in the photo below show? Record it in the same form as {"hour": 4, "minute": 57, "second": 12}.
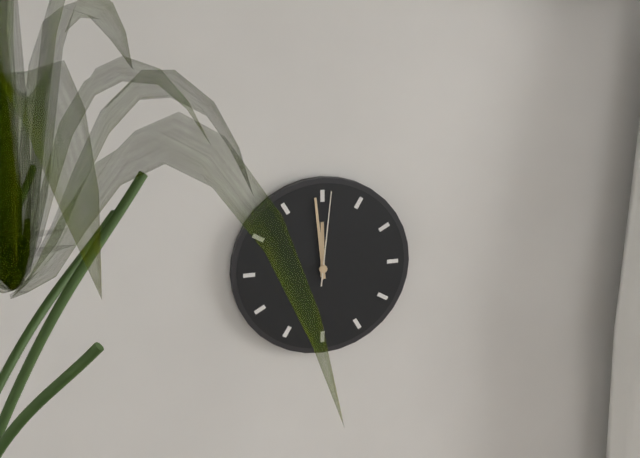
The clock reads {"hour": 11, "minute": 59, "second": 1}
